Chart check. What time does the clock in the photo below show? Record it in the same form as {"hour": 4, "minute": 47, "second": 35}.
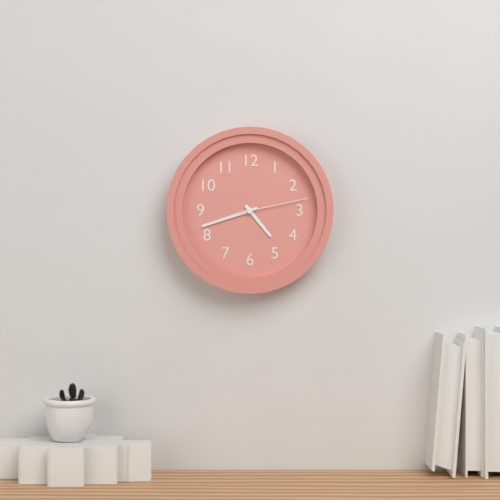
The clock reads {"hour": 4, "minute": 42, "second": 13}
